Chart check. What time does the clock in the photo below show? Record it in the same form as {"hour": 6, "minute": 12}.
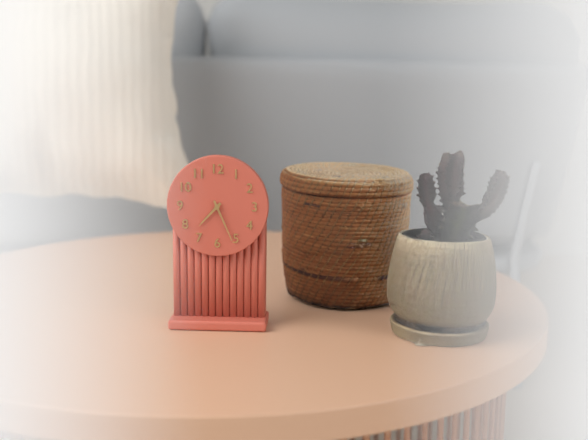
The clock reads {"hour": 7, "minute": 26}
